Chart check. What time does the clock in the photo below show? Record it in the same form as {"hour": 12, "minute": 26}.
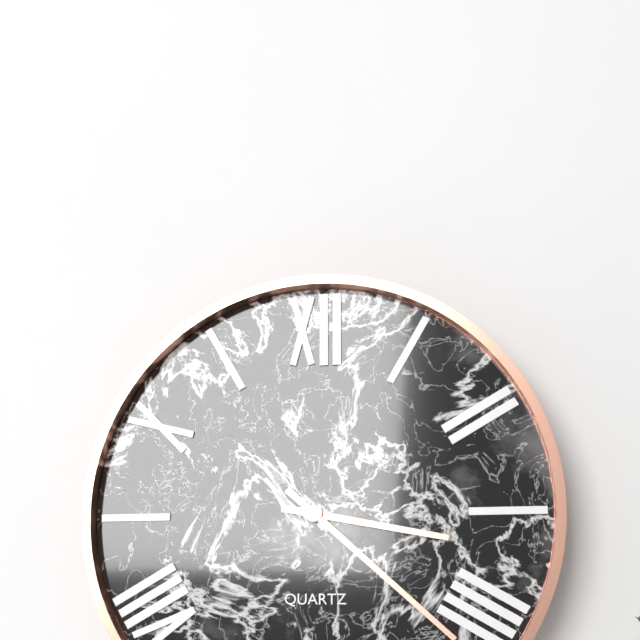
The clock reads {"hour": 3, "minute": 22}
